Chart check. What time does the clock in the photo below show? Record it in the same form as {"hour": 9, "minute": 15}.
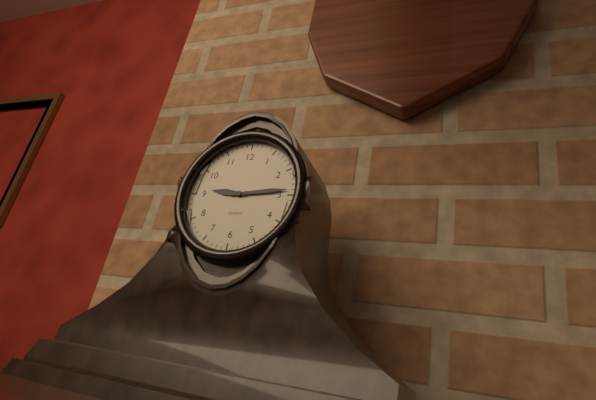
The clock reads {"hour": 9, "minute": 14}
